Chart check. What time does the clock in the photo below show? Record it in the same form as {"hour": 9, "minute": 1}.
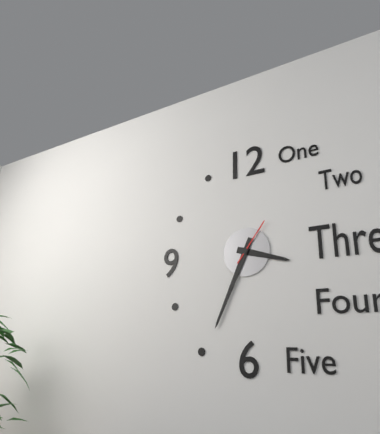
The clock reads {"hour": 3, "minute": 34}
